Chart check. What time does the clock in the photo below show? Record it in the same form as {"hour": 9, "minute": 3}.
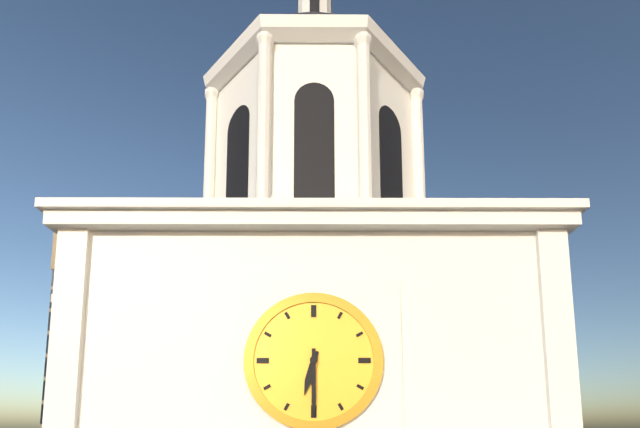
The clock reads {"hour": 6, "minute": 30}
